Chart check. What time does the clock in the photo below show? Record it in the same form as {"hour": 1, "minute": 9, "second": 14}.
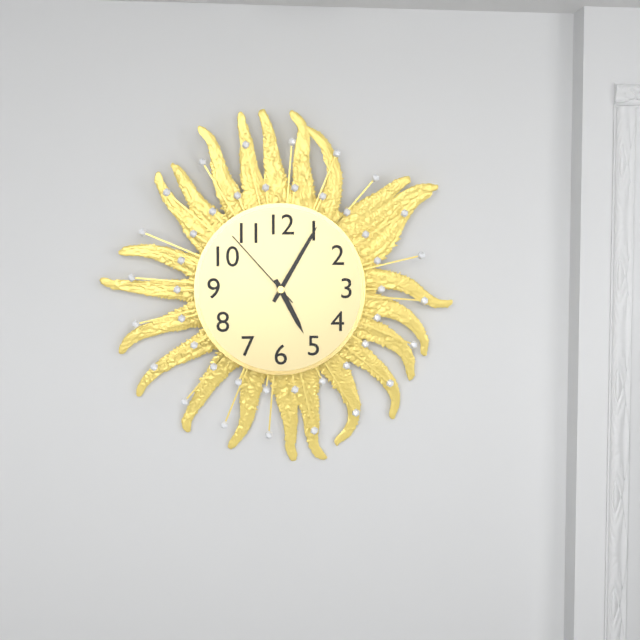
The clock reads {"hour": 5, "minute": 5, "second": 53}
